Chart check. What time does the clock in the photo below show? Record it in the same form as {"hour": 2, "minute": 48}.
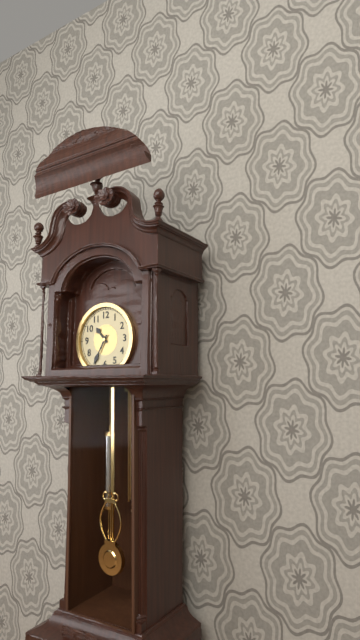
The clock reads {"hour": 10, "minute": 35}
